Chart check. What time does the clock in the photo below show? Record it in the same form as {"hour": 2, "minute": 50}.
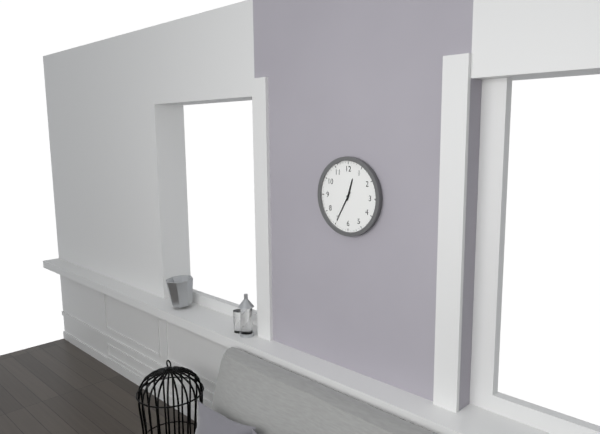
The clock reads {"hour": 12, "minute": 35}
